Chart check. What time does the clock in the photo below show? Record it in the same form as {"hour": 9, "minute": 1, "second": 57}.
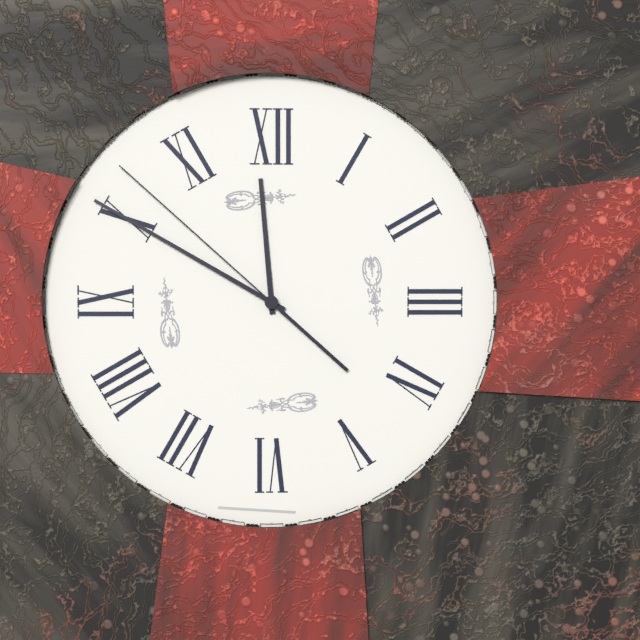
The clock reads {"hour": 11, "minute": 50, "second": 52}
